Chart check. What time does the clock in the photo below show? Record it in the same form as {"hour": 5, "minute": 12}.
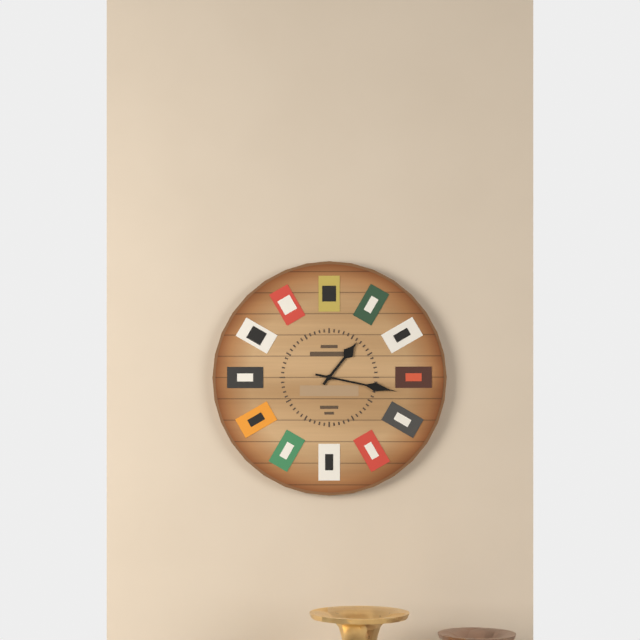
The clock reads {"hour": 1, "minute": 17}
